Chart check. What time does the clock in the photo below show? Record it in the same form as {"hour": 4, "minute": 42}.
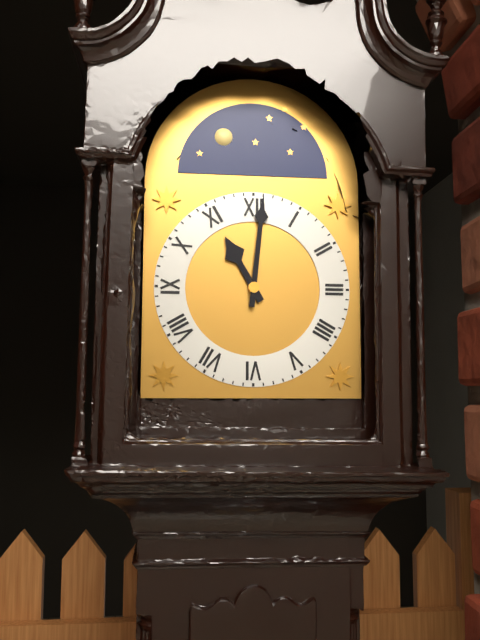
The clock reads {"hour": 11, "minute": 1}
